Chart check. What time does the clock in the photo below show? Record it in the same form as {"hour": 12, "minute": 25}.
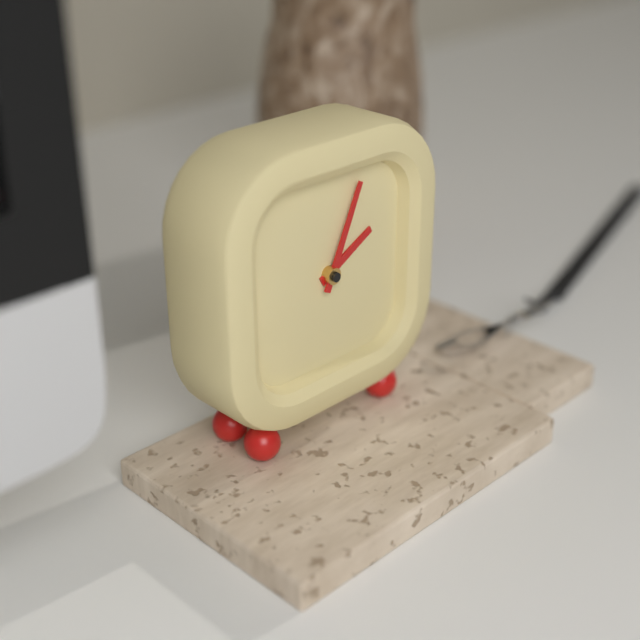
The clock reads {"hour": 2, "minute": 4}
